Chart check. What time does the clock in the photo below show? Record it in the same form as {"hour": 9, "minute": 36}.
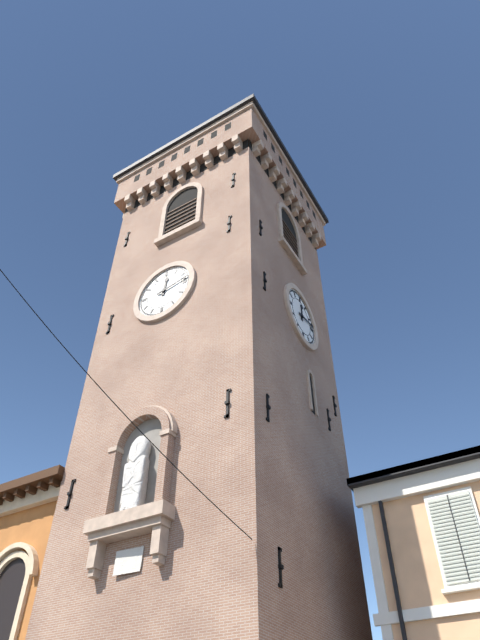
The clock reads {"hour": 12, "minute": 13}
